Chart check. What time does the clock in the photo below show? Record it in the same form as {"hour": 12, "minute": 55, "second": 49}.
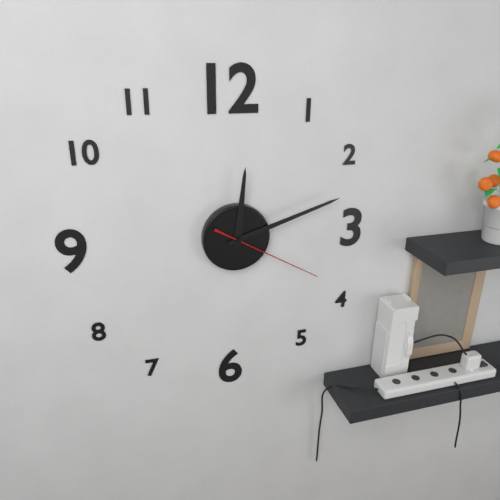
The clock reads {"hour": 12, "minute": 12, "second": 20}
